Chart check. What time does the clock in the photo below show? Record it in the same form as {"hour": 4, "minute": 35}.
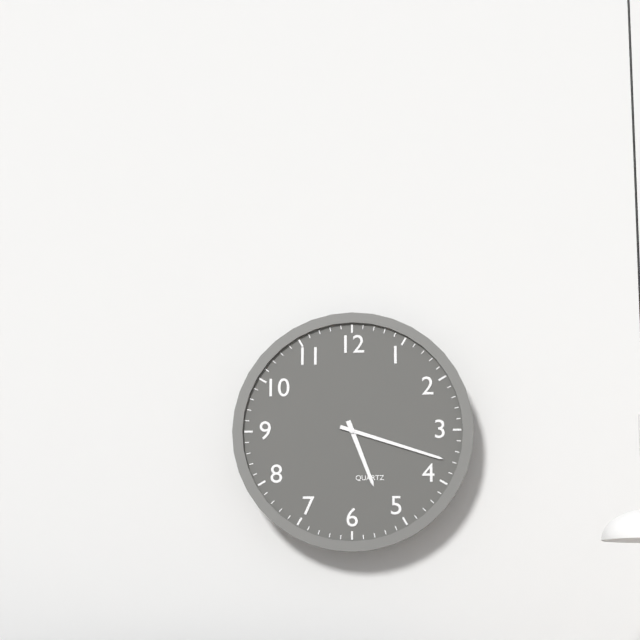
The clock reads {"hour": 5, "minute": 18}
